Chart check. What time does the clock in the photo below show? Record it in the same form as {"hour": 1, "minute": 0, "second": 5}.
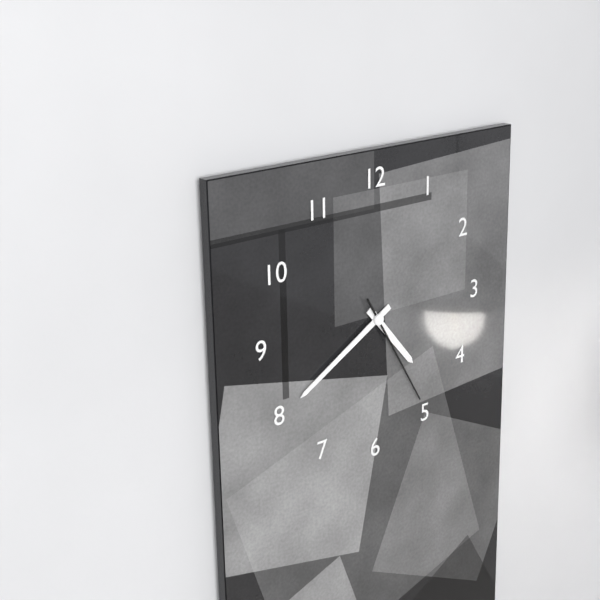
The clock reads {"hour": 4, "minute": 40, "second": 25}
